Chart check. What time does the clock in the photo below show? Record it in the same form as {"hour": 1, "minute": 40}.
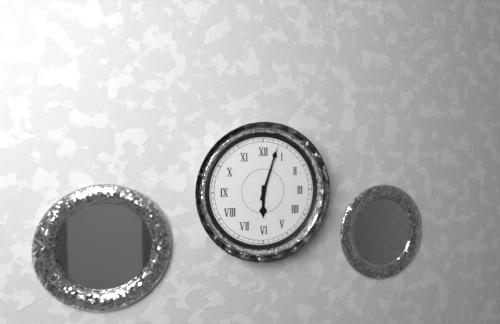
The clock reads {"hour": 6, "minute": 3}
